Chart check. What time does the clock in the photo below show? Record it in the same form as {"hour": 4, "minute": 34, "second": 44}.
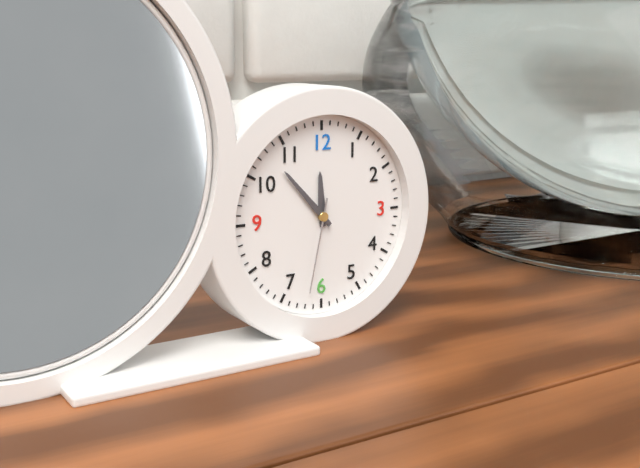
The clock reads {"hour": 11, "minute": 53, "second": 32}
